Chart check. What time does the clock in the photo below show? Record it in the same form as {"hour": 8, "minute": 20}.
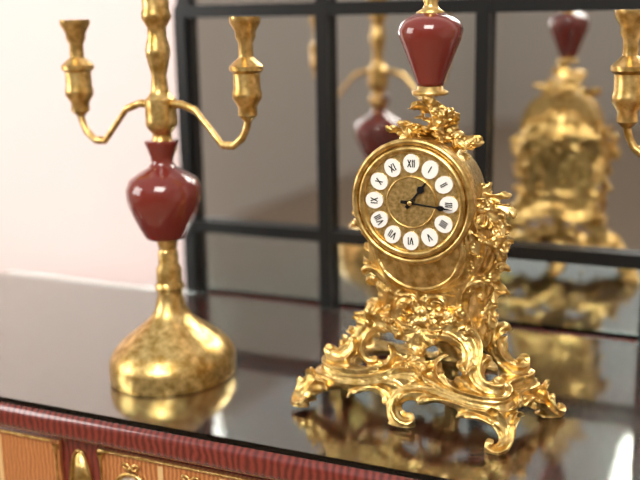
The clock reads {"hour": 1, "minute": 16}
